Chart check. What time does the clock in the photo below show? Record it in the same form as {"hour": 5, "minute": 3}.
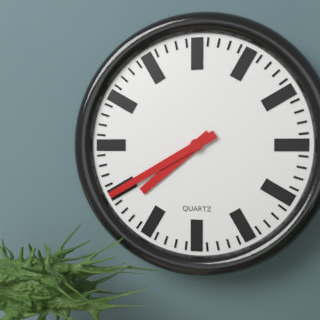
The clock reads {"hour": 7, "minute": 40}
